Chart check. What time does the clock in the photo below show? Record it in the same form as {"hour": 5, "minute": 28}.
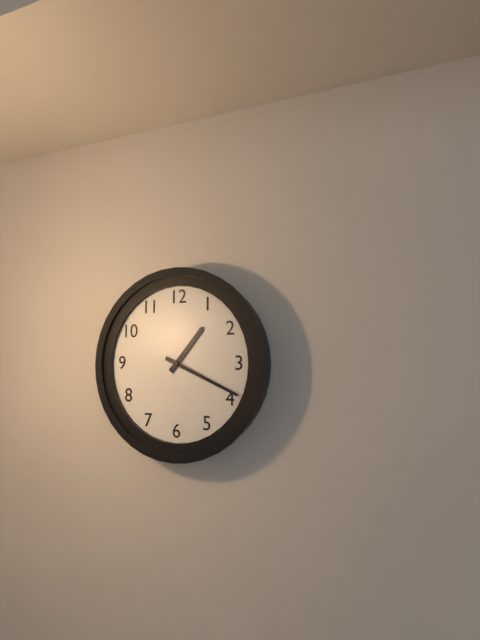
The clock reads {"hour": 1, "minute": 19}
